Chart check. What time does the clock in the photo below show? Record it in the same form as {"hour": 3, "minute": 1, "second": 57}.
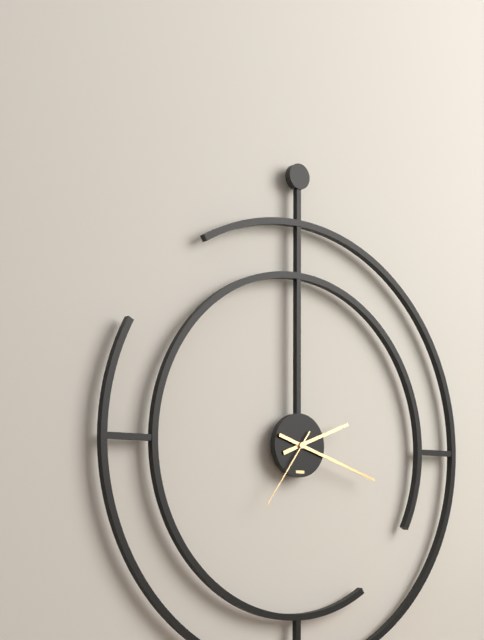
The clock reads {"hour": 2, "minute": 18, "second": 36}
